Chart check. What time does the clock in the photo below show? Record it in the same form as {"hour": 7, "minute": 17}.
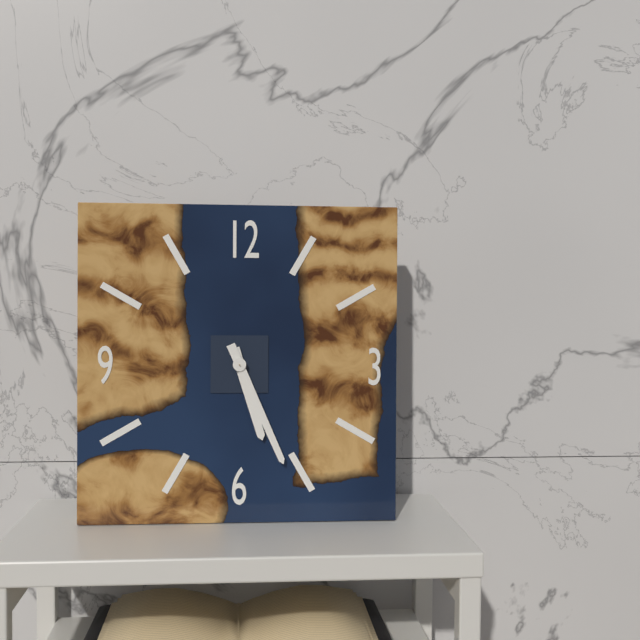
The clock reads {"hour": 5, "minute": 26}
